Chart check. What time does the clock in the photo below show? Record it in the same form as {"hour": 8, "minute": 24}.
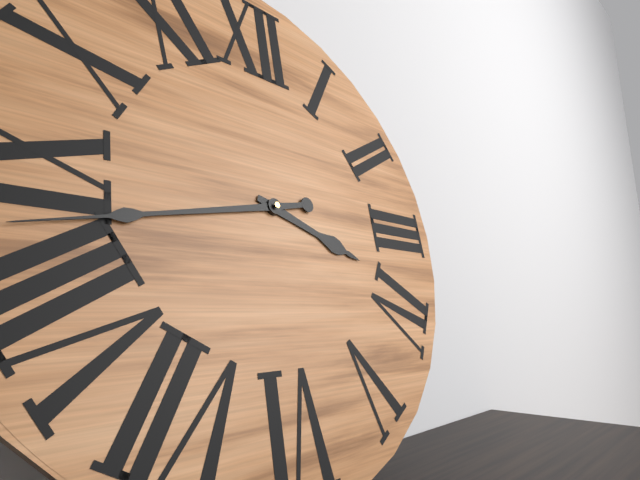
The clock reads {"hour": 3, "minute": 43}
